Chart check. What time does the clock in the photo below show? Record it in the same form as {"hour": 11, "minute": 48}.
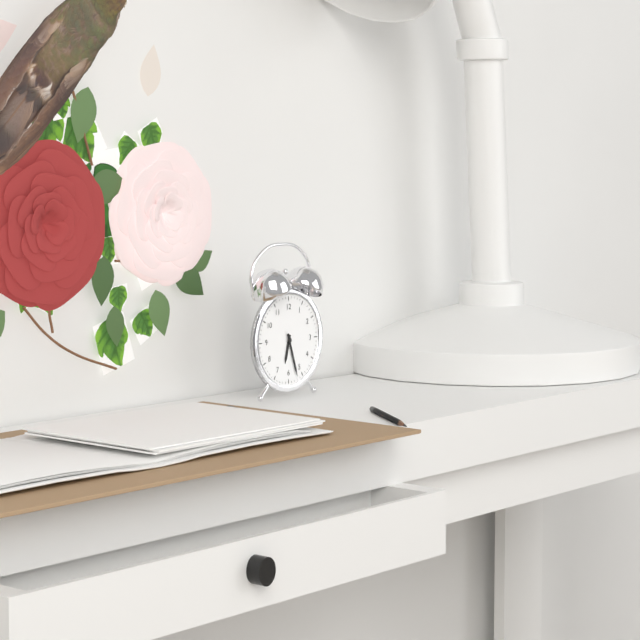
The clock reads {"hour": 6, "minute": 27}
